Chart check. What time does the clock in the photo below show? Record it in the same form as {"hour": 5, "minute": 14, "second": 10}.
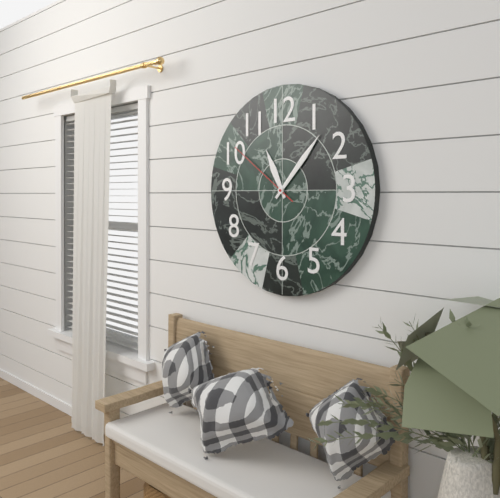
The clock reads {"hour": 11, "minute": 7, "second": 51}
